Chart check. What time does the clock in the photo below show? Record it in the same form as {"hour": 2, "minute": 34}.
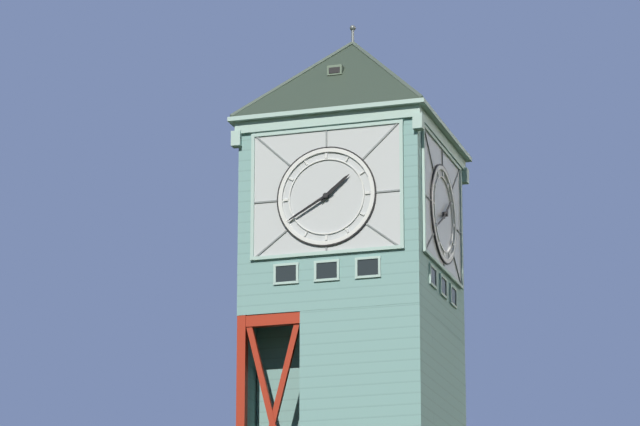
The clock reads {"hour": 1, "minute": 40}
